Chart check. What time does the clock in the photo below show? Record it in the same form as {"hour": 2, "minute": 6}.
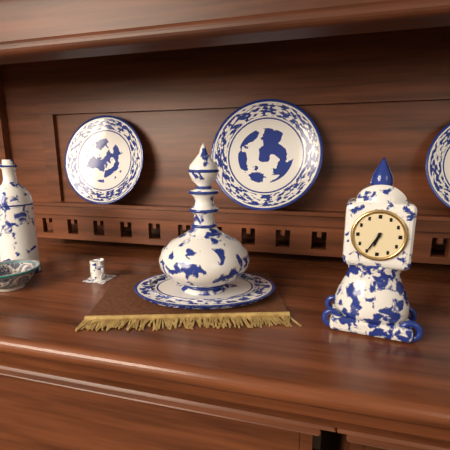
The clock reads {"hour": 6, "minute": 35}
